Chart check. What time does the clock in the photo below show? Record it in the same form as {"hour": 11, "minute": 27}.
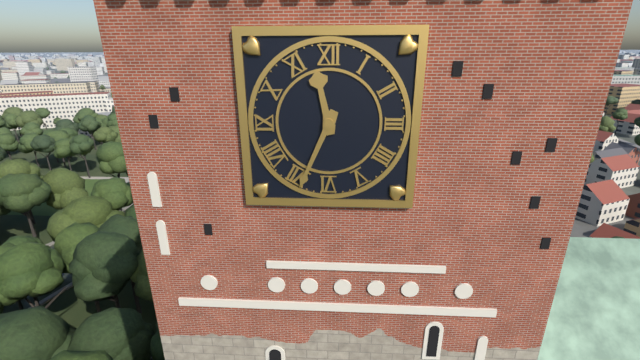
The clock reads {"hour": 11, "minute": 34}
